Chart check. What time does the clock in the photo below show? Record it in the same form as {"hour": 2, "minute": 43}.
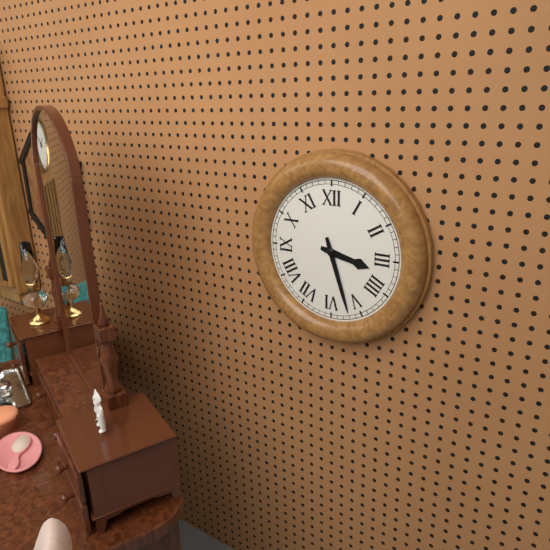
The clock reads {"hour": 3, "minute": 27}
